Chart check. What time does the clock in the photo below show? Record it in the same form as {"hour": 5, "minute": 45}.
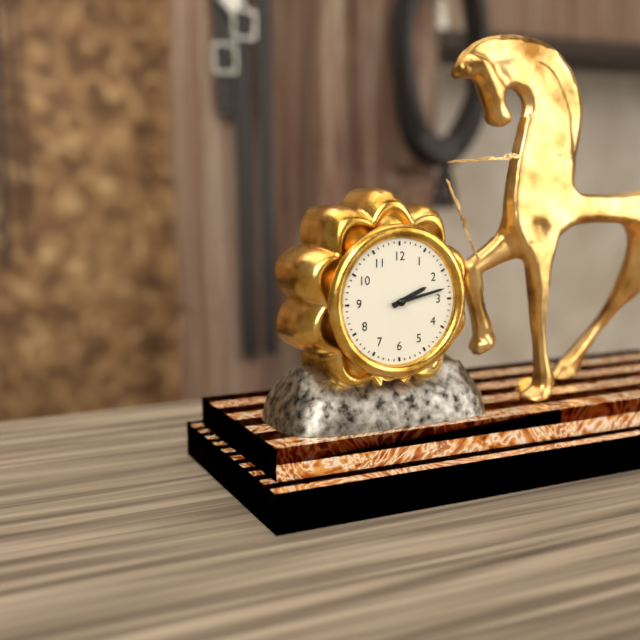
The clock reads {"hour": 2, "minute": 13}
